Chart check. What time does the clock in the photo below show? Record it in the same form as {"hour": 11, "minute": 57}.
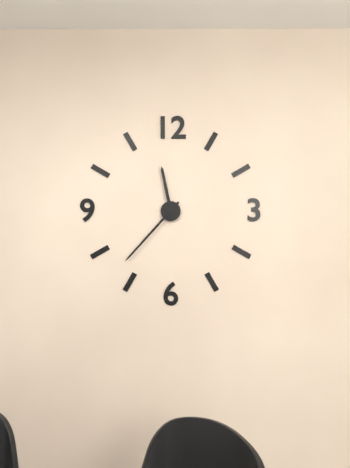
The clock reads {"hour": 11, "minute": 37}
